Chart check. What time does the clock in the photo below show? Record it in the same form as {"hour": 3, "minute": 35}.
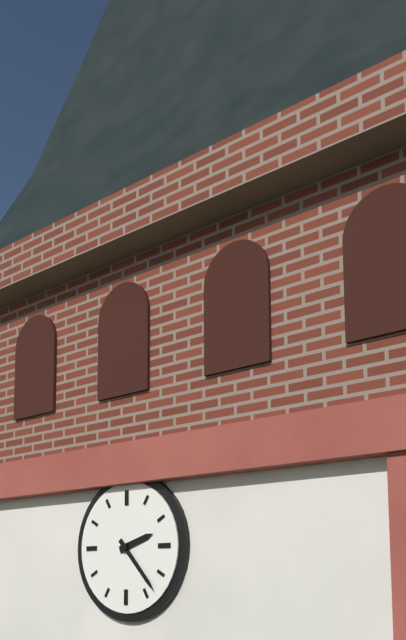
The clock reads {"hour": 2, "minute": 23}
